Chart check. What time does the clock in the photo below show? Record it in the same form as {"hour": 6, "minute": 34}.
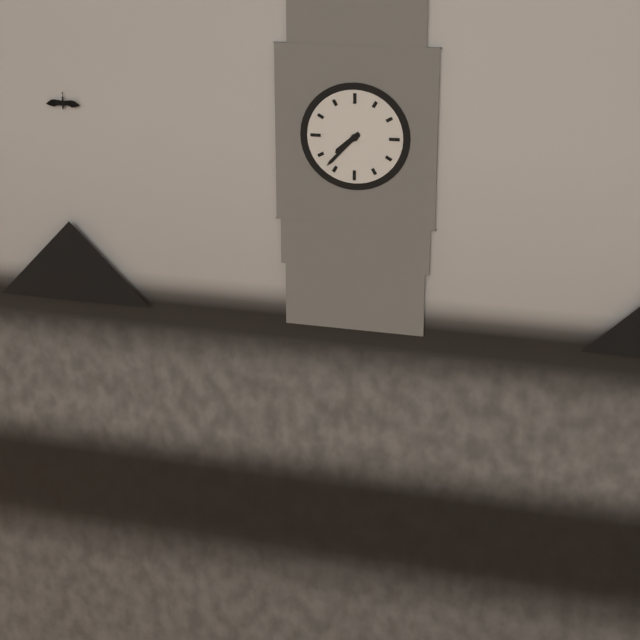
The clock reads {"hour": 7, "minute": 37}
